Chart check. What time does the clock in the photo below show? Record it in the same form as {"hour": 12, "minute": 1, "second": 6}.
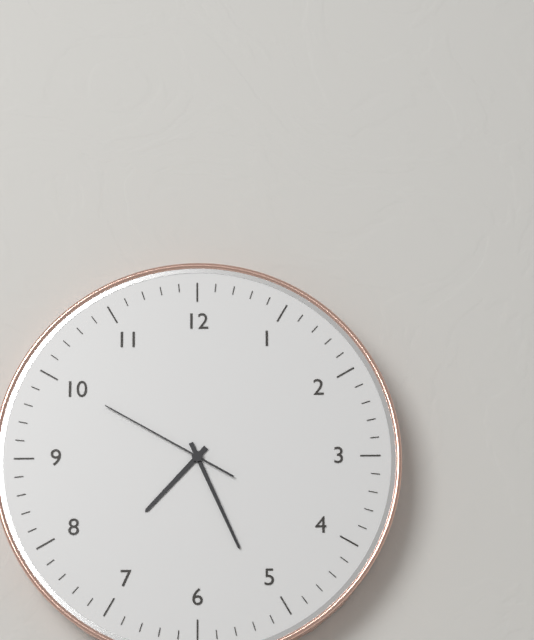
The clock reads {"hour": 7, "minute": 26, "second": 50}
